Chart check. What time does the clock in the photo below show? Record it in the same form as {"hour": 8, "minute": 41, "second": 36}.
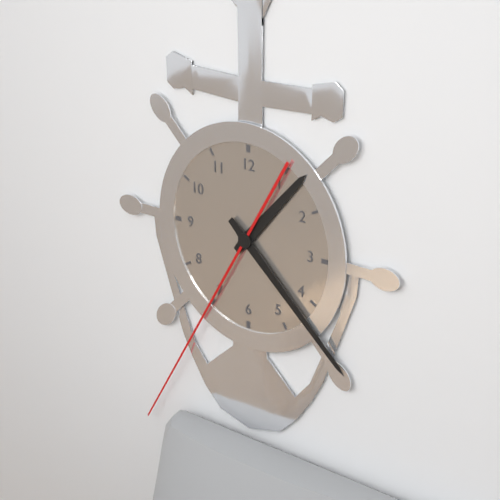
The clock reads {"hour": 1, "minute": 22, "second": 35}
